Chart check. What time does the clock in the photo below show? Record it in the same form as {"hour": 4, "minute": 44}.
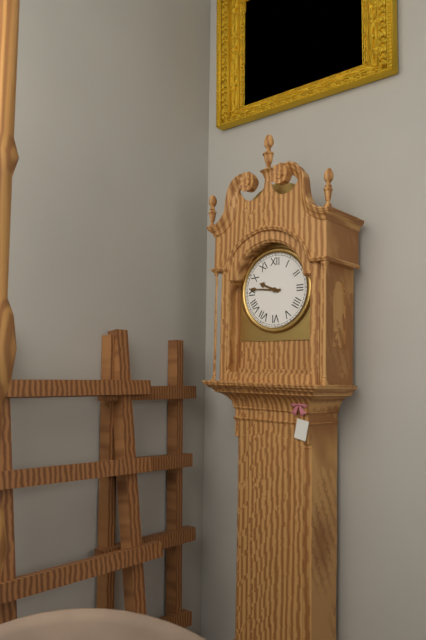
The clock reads {"hour": 9, "minute": 46}
